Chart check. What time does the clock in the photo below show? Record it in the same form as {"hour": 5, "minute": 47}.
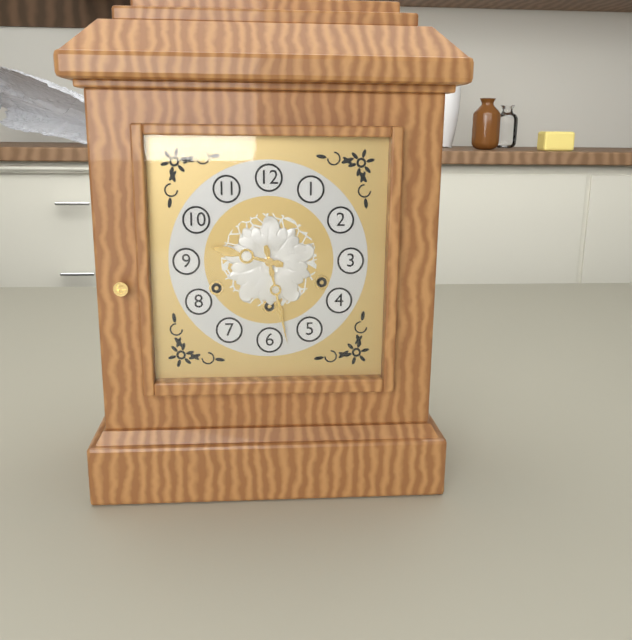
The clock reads {"hour": 9, "minute": 28}
